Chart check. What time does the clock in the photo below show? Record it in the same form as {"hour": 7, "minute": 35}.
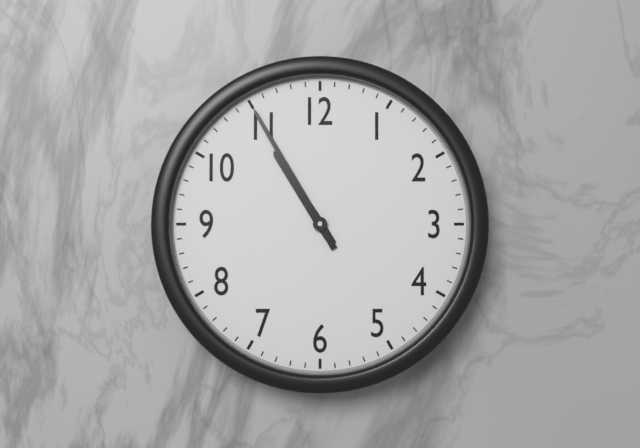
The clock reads {"hour": 10, "minute": 55}
